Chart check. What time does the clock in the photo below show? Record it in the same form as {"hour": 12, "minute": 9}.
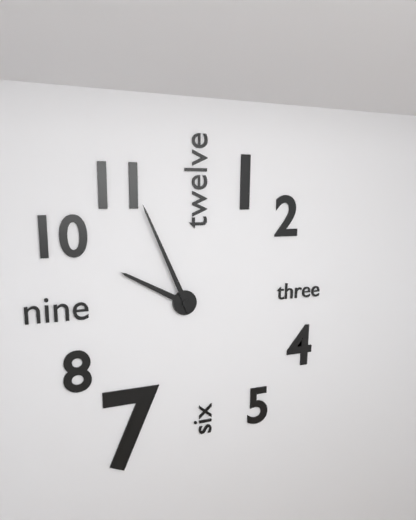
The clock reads {"hour": 9, "minute": 56}
